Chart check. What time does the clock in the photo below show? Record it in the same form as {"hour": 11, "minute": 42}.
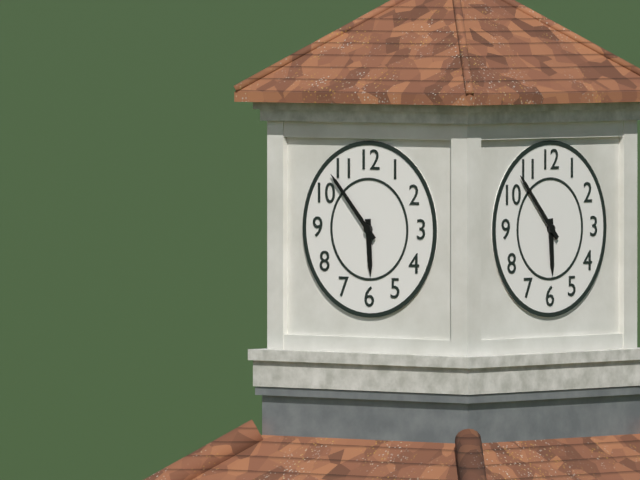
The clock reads {"hour": 5, "minute": 53}
